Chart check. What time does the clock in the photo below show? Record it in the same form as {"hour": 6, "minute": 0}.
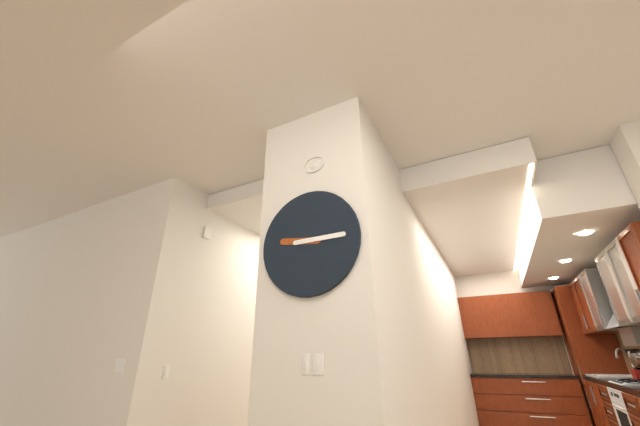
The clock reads {"hour": 9, "minute": 15}
